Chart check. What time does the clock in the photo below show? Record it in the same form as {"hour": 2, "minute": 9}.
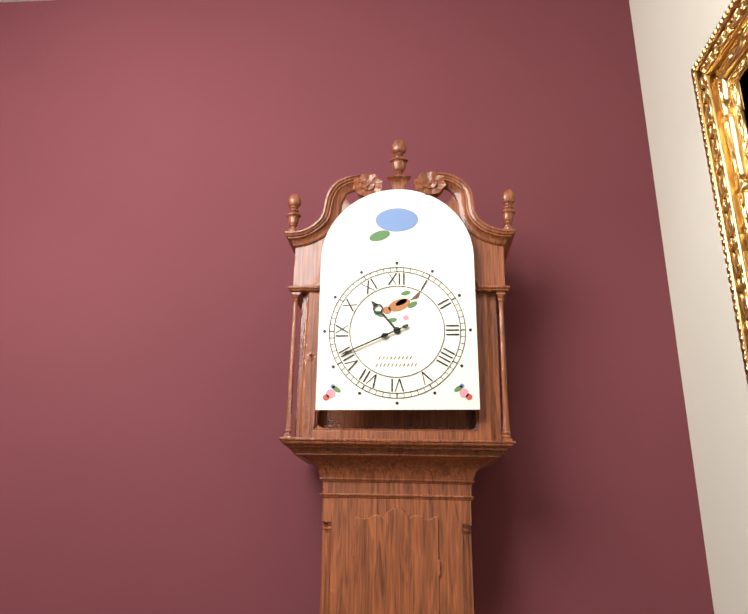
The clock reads {"hour": 10, "minute": 41}
